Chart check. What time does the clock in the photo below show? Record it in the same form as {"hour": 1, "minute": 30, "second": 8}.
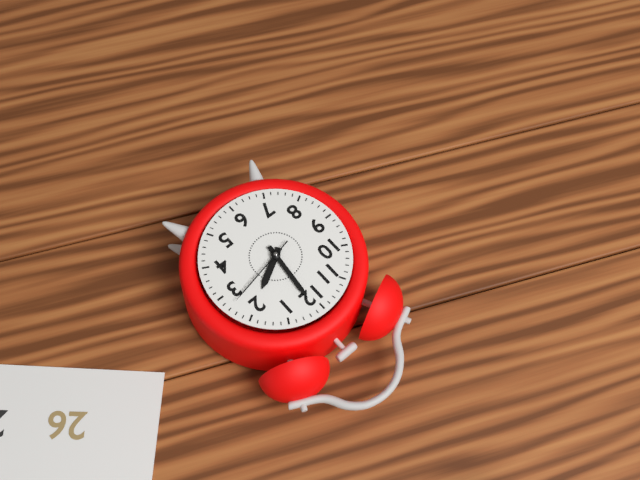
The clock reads {"hour": 2, "minute": 1, "second": 13}
